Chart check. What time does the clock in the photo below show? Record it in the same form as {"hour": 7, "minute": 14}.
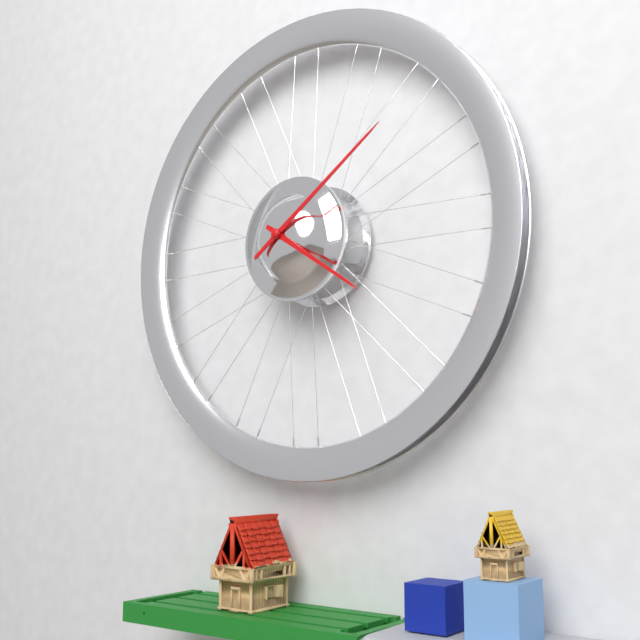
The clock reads {"hour": 4, "minute": 9}
